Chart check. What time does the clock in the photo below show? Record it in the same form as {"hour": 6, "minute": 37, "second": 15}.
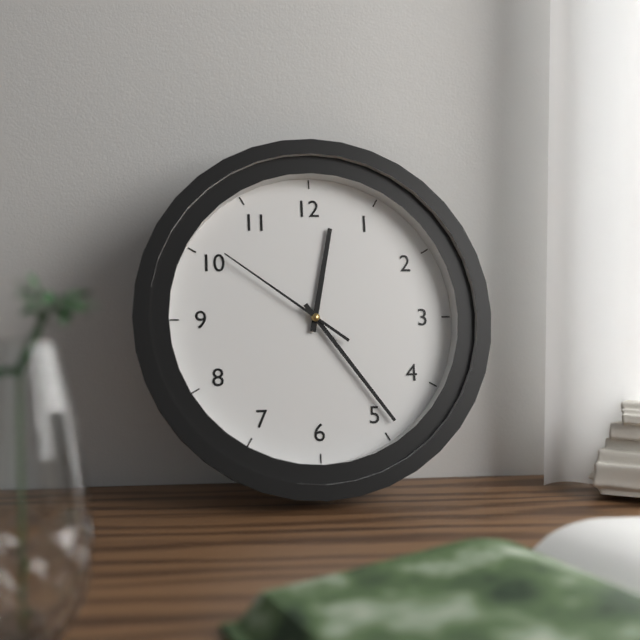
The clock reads {"hour": 12, "minute": 24, "second": 51}
